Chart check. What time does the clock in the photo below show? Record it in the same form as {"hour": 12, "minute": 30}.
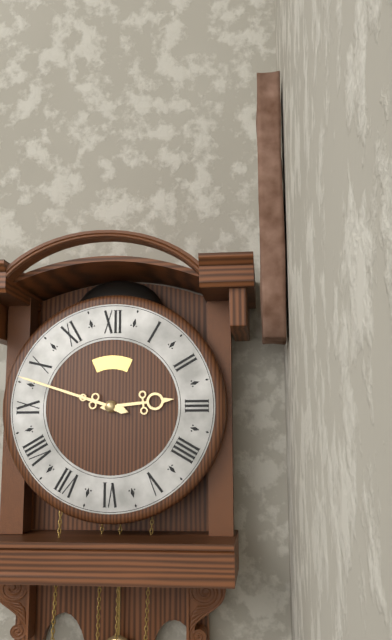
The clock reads {"hour": 2, "minute": 48}
